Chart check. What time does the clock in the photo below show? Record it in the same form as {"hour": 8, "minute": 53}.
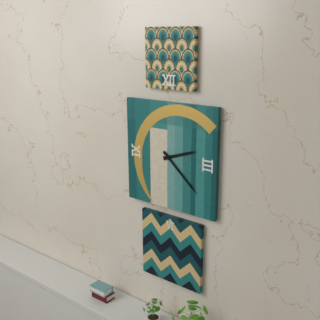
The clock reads {"hour": 2, "minute": 22}
